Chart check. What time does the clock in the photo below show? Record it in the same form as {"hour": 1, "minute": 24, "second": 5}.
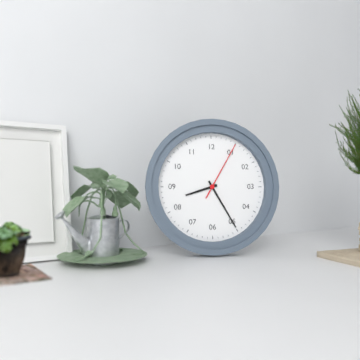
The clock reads {"hour": 8, "minute": 25, "second": 5}
